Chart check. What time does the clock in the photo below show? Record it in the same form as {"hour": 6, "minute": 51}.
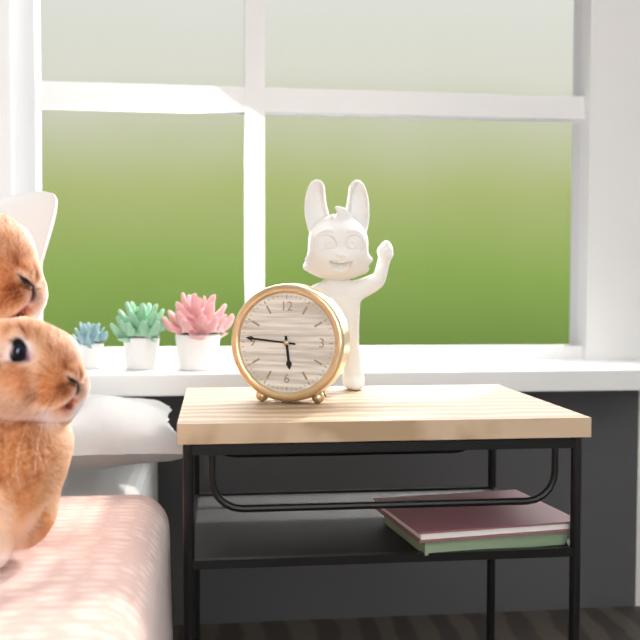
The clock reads {"hour": 5, "minute": 46}
